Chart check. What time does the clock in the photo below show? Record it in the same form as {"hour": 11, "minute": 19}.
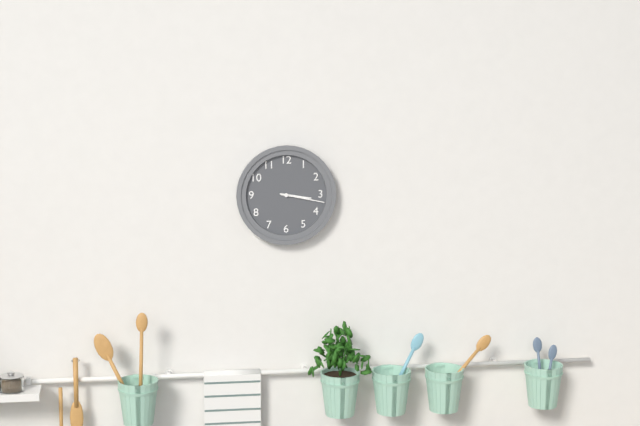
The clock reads {"hour": 3, "minute": 17}
